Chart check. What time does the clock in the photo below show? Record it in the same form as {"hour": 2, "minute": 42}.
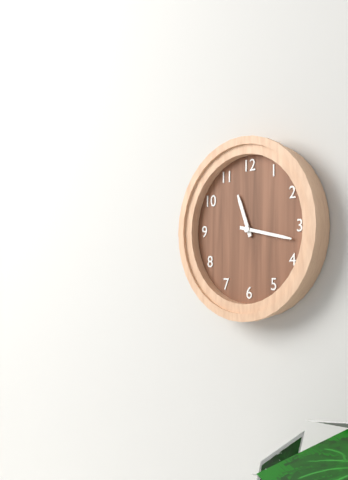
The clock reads {"hour": 11, "minute": 17}
